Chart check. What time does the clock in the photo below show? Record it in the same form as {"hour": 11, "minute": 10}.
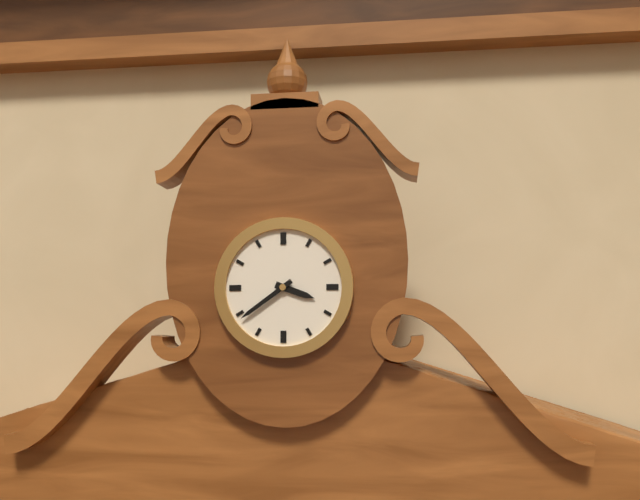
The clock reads {"hour": 3, "minute": 39}
